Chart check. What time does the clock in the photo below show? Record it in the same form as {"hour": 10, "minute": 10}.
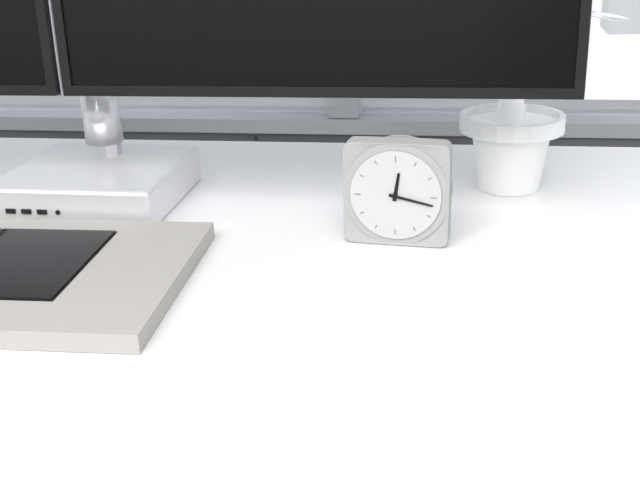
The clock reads {"hour": 12, "minute": 17}
